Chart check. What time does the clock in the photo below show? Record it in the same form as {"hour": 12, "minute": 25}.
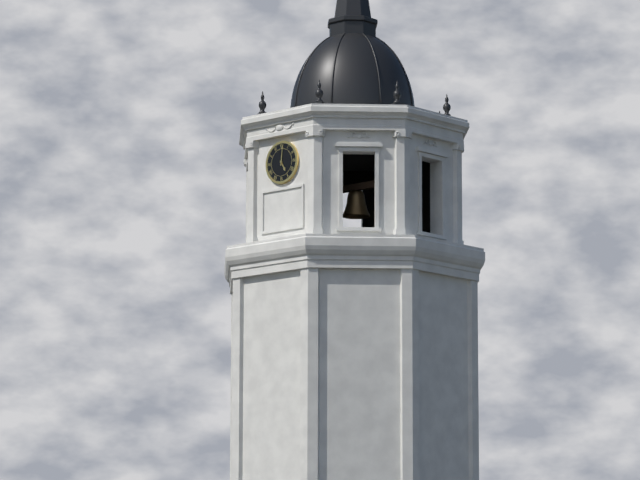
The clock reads {"hour": 5, "minute": 1}
